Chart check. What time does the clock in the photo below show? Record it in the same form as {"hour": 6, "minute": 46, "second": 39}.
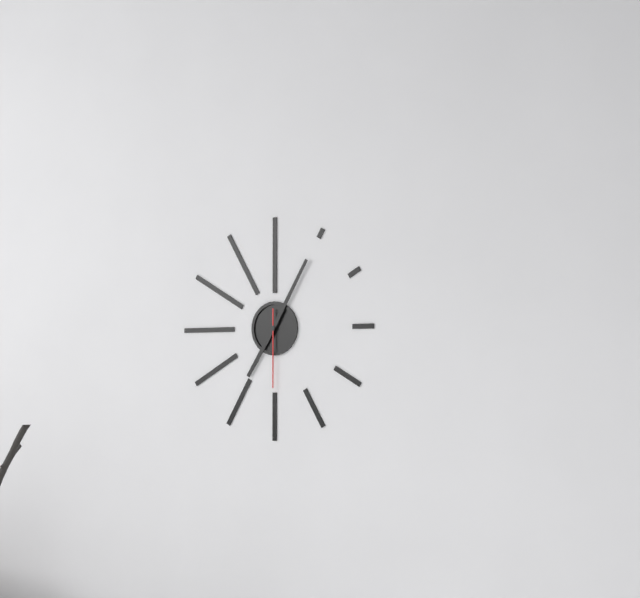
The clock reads {"hour": 7, "minute": 5, "second": 30}
